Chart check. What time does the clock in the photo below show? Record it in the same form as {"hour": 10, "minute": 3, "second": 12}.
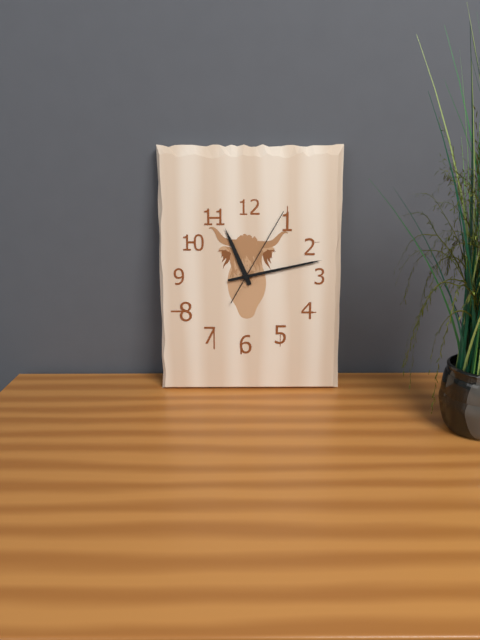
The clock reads {"hour": 11, "minute": 13, "second": 5}
